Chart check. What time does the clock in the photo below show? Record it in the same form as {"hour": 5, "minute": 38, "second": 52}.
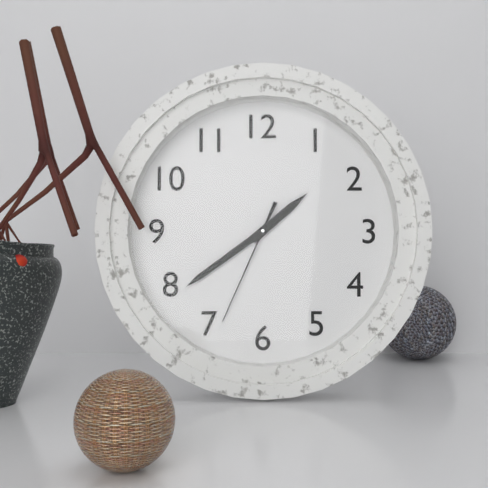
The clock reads {"hour": 1, "minute": 39, "second": 34}
